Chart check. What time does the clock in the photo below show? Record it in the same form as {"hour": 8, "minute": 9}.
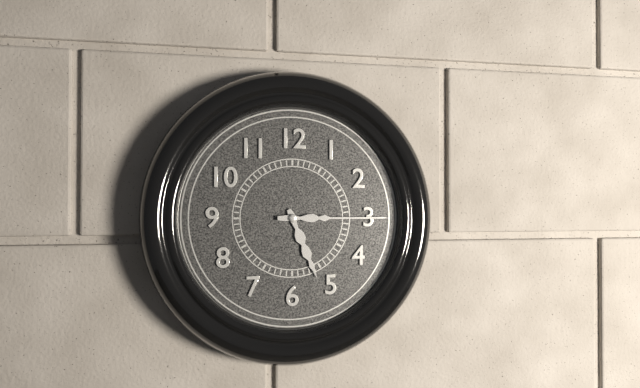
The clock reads {"hour": 5, "minute": 15}
